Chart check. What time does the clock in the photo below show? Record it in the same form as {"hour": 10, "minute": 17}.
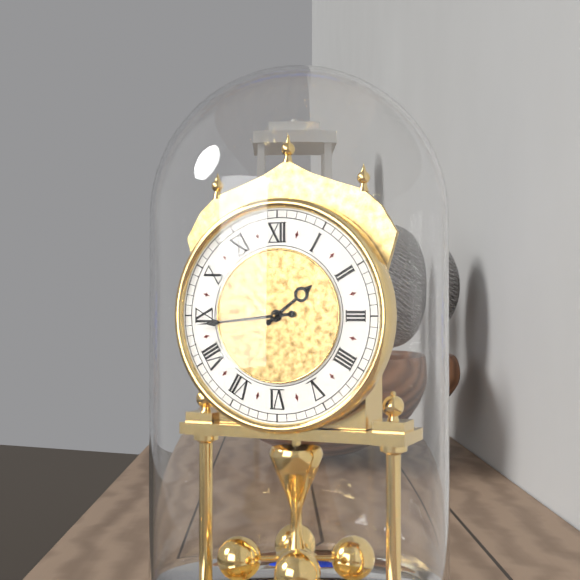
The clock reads {"hour": 1, "minute": 44}
